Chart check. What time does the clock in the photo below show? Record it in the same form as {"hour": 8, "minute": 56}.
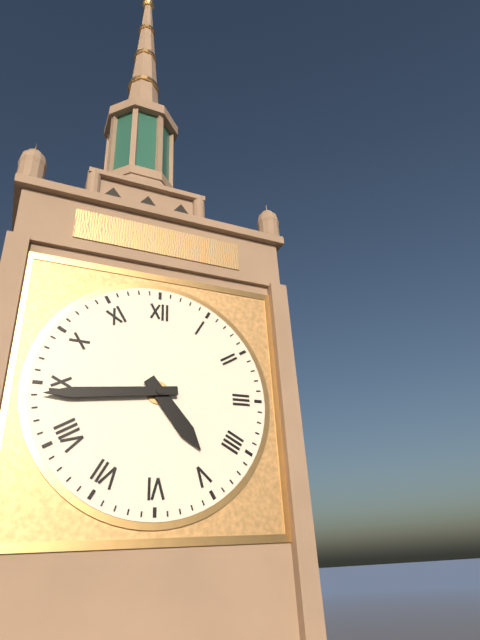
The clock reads {"hour": 4, "minute": 44}
